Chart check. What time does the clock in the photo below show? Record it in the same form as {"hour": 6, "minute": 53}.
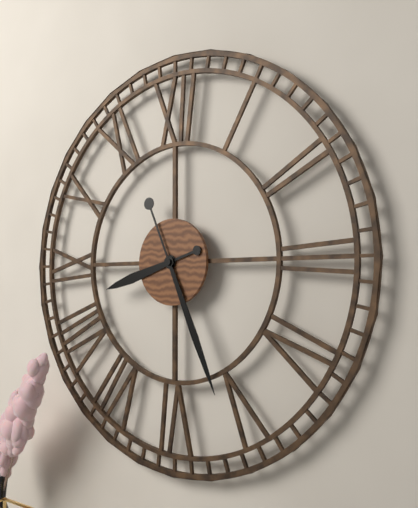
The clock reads {"hour": 8, "minute": 26}
